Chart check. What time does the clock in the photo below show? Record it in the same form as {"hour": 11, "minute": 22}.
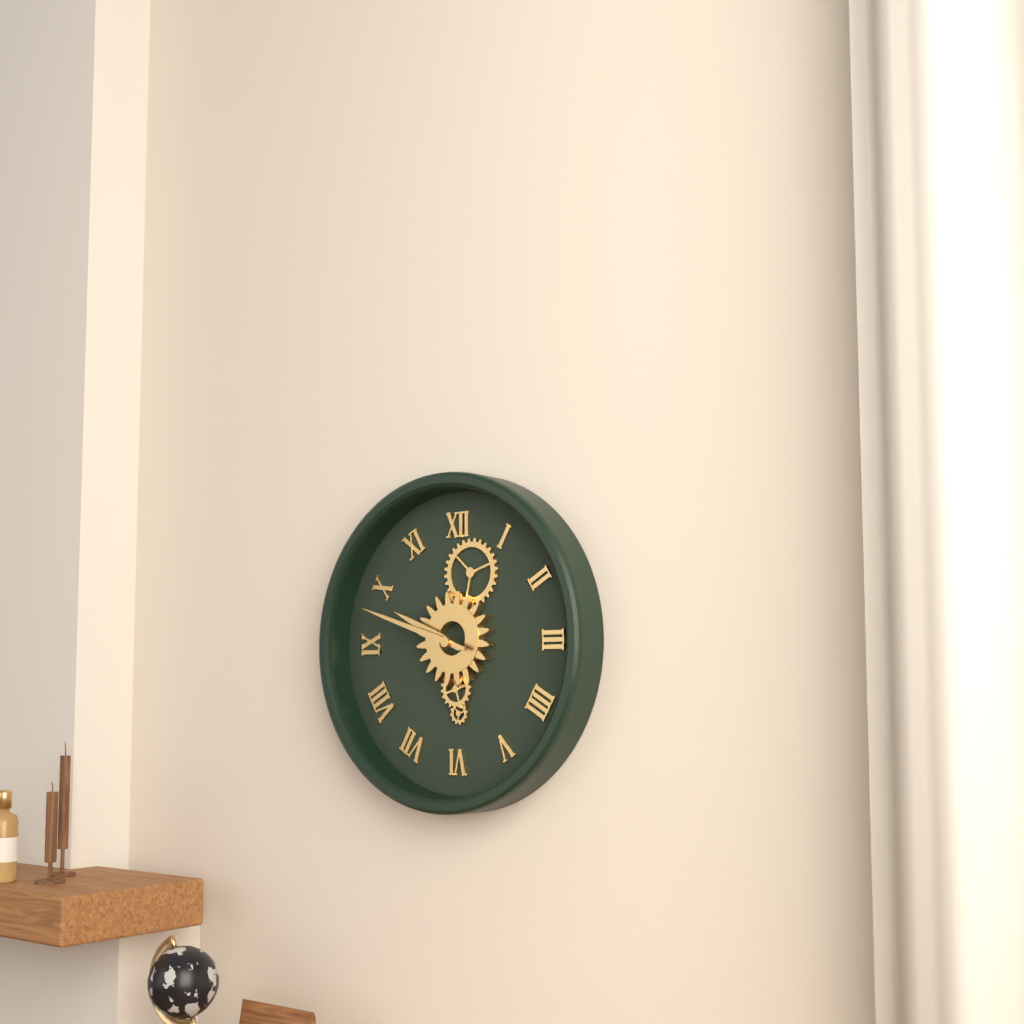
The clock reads {"hour": 9, "minute": 48}
